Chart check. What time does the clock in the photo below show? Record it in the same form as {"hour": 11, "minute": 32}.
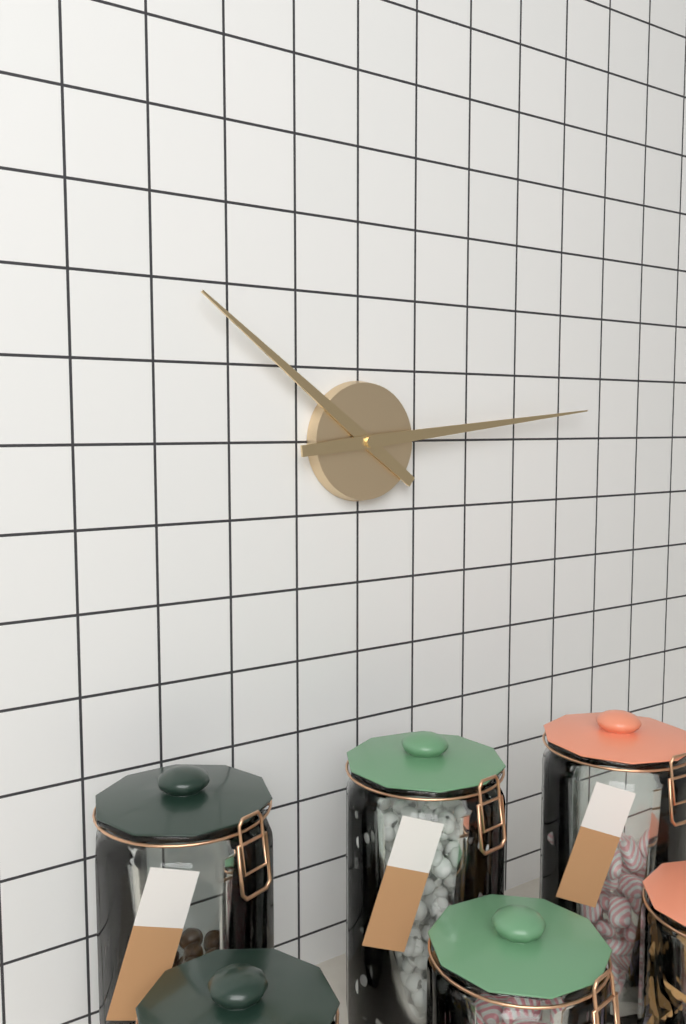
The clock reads {"hour": 10, "minute": 14}
